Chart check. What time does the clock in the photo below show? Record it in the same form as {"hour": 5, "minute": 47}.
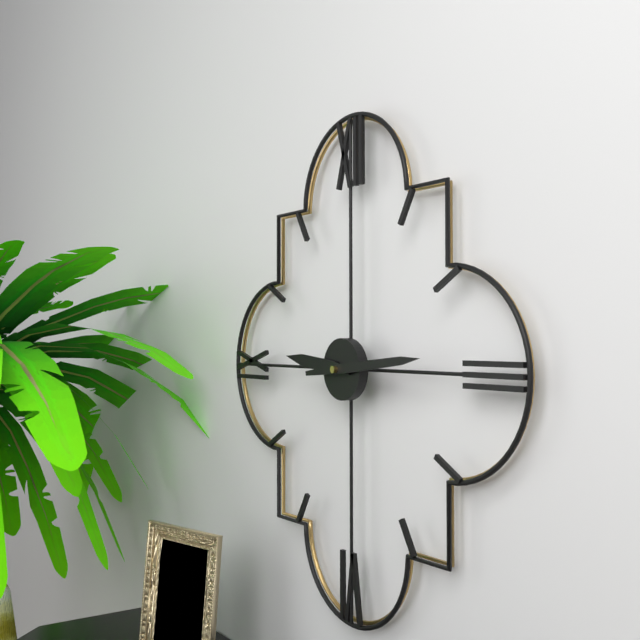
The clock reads {"hour": 9, "minute": 14}
